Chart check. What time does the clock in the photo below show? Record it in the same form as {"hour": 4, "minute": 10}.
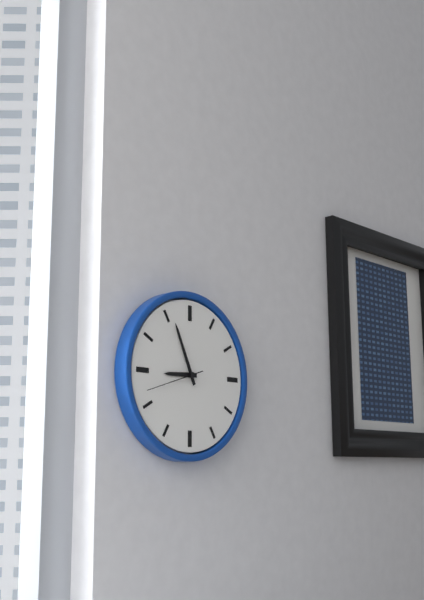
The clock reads {"hour": 8, "minute": 56}
